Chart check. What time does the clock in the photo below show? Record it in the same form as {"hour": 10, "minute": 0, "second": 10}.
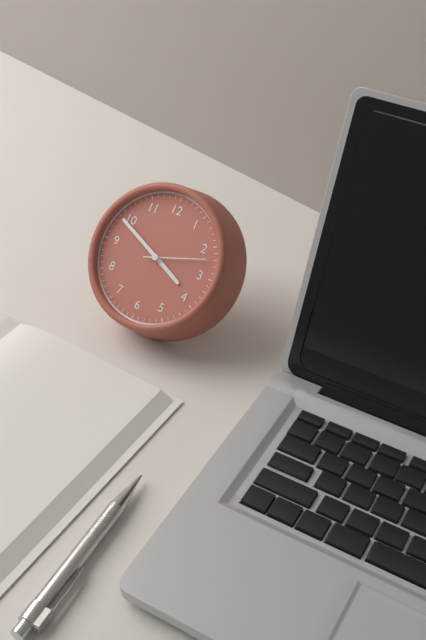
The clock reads {"hour": 3, "minute": 49, "second": 12}
